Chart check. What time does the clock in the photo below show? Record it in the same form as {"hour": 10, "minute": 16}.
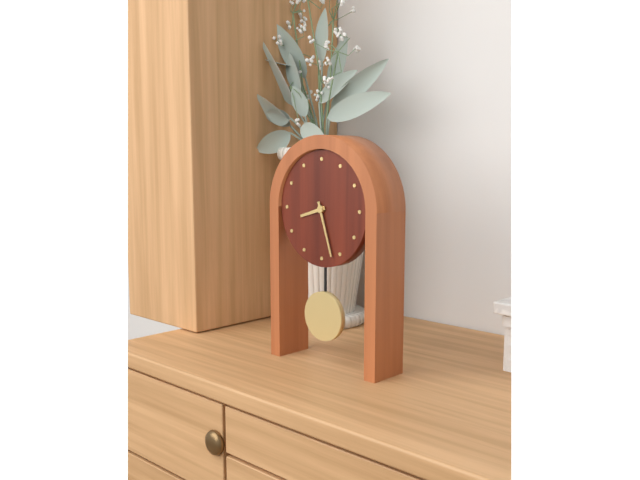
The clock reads {"hour": 8, "minute": 27}
